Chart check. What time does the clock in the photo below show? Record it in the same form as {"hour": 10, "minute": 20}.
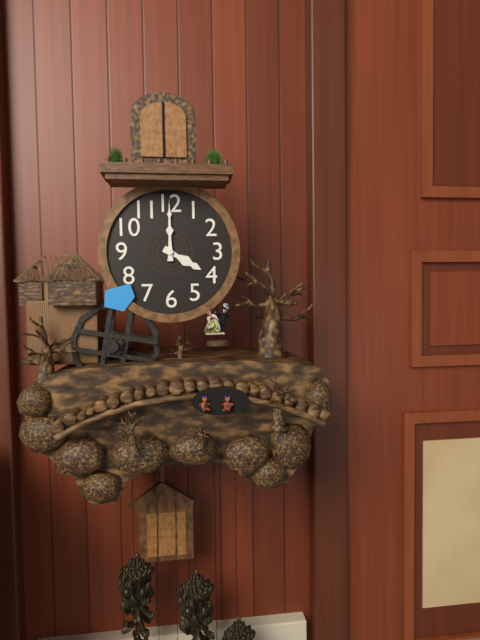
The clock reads {"hour": 4, "minute": 0}
